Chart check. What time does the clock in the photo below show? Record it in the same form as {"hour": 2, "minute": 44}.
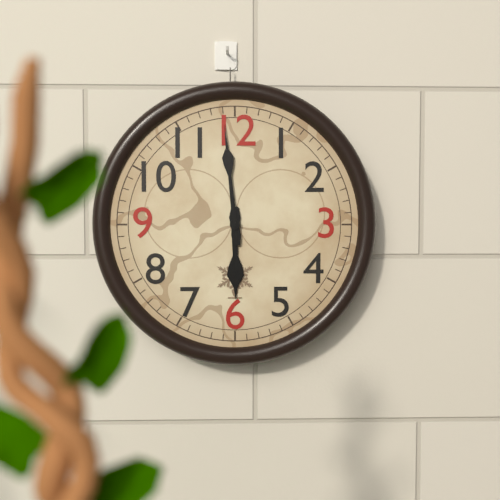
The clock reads {"hour": 5, "minute": 59}
